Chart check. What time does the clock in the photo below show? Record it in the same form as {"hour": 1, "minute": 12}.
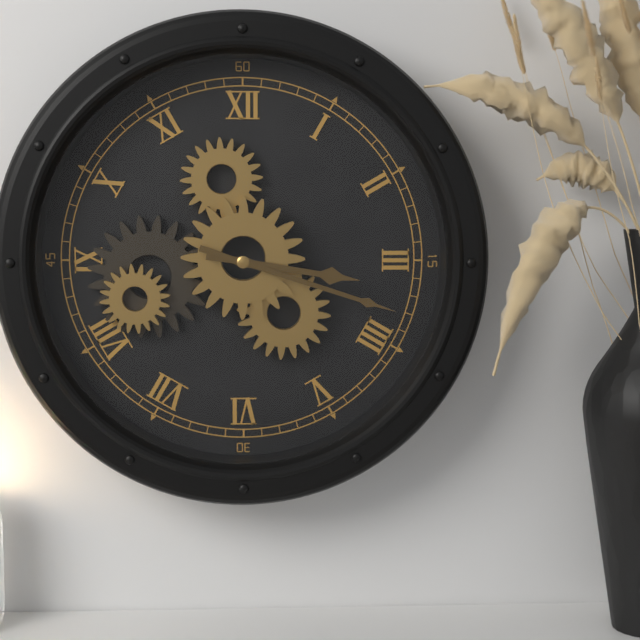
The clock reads {"hour": 3, "minute": 18}
